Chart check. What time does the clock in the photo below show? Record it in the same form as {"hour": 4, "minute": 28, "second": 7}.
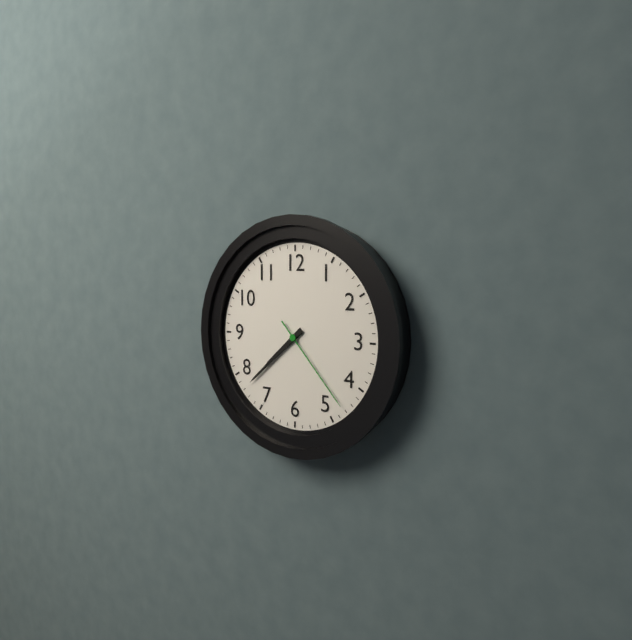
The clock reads {"hour": 7, "minute": 38, "second": 23}
